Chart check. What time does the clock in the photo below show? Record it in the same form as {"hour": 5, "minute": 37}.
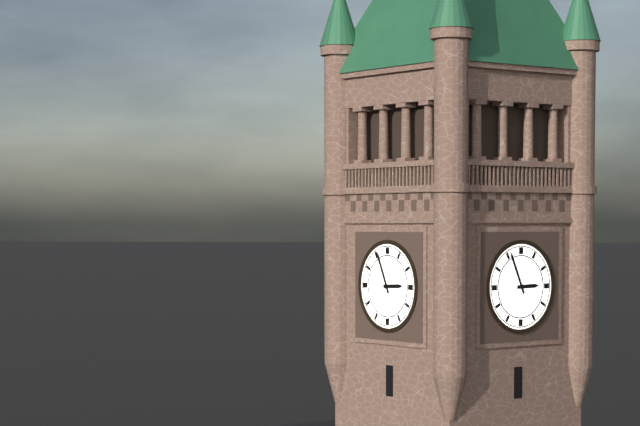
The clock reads {"hour": 2, "minute": 56}
